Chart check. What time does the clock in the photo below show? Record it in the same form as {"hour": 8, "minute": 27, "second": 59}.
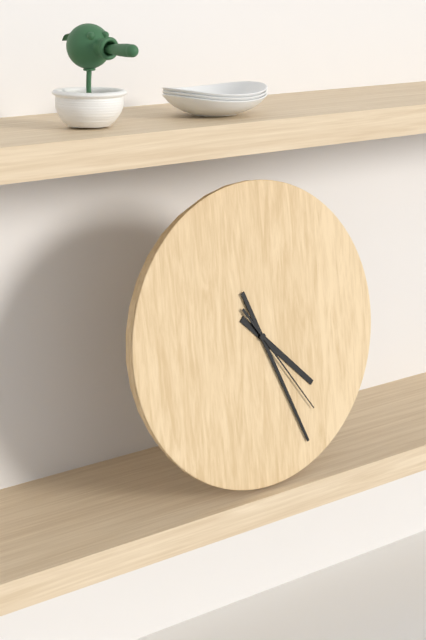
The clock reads {"hour": 4, "minute": 26, "second": 24}
